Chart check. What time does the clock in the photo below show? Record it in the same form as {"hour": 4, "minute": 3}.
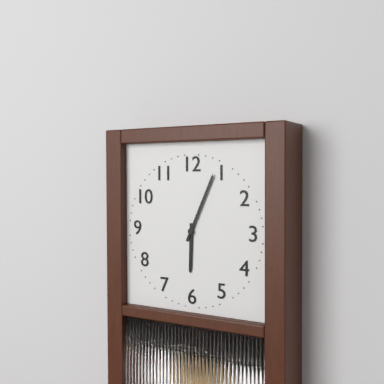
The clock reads {"hour": 6, "minute": 4}
